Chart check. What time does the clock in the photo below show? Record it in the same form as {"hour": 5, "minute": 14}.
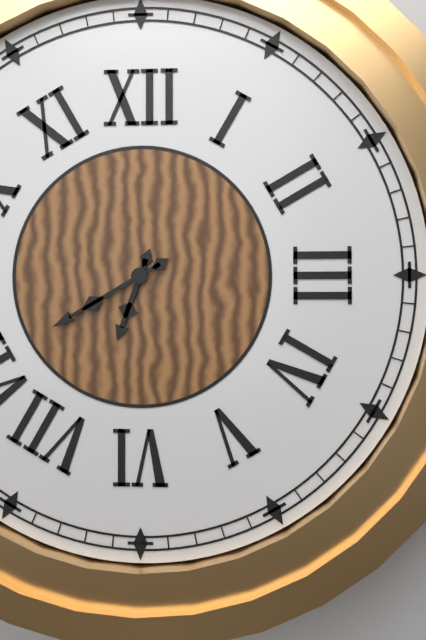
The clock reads {"hour": 6, "minute": 40}
